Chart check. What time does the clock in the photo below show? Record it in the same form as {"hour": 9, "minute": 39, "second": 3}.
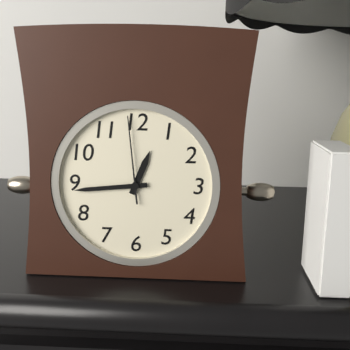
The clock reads {"hour": 12, "minute": 44, "second": 59}
